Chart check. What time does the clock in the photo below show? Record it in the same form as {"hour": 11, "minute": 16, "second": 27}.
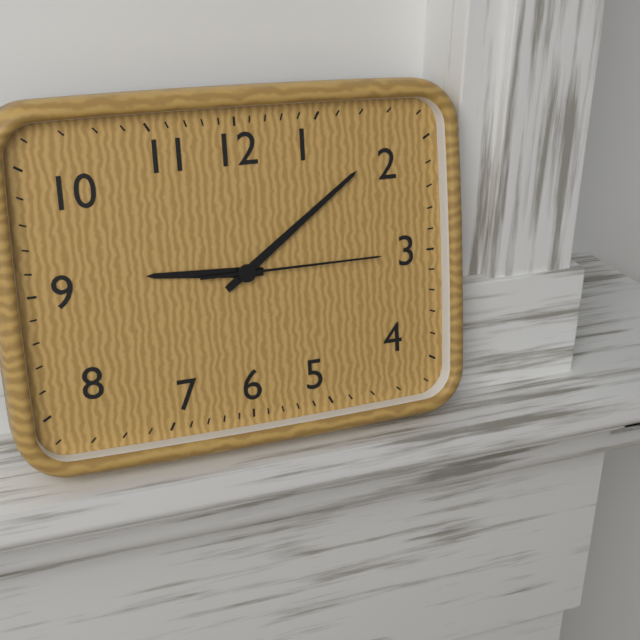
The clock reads {"hour": 9, "minute": 9, "second": 15}
